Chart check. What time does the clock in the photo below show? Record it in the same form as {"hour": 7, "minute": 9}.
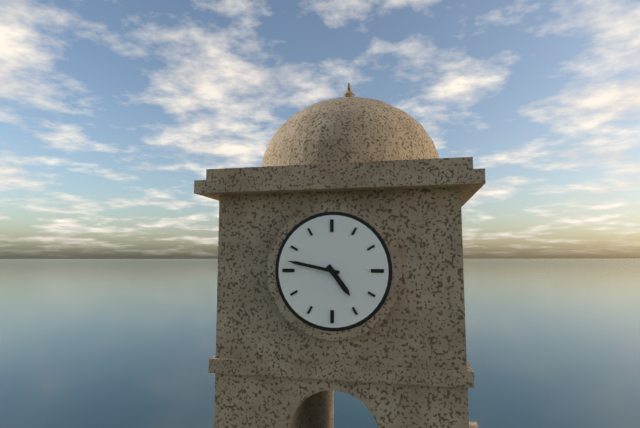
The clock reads {"hour": 4, "minute": 47}
